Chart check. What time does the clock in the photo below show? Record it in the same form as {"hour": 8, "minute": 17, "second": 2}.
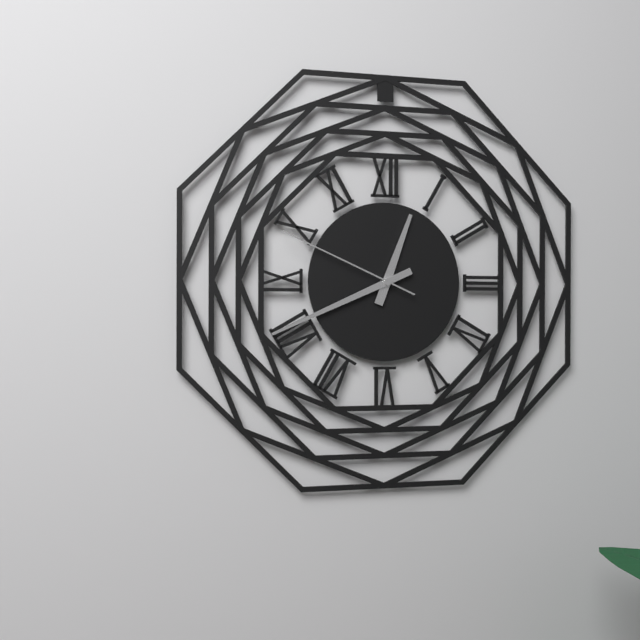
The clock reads {"hour": 12, "minute": 41, "second": 49}
